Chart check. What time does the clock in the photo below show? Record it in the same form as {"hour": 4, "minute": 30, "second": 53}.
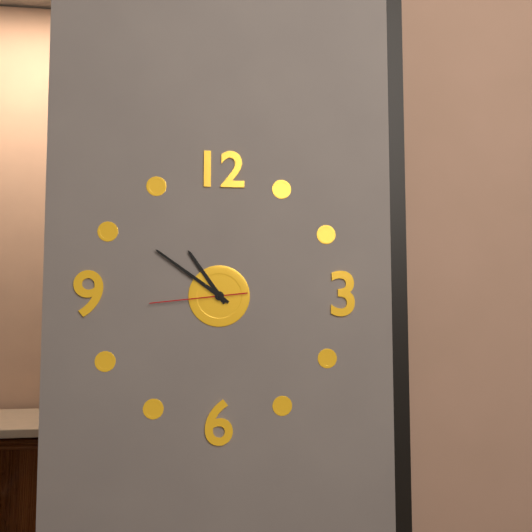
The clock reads {"hour": 10, "minute": 51, "second": 44}
